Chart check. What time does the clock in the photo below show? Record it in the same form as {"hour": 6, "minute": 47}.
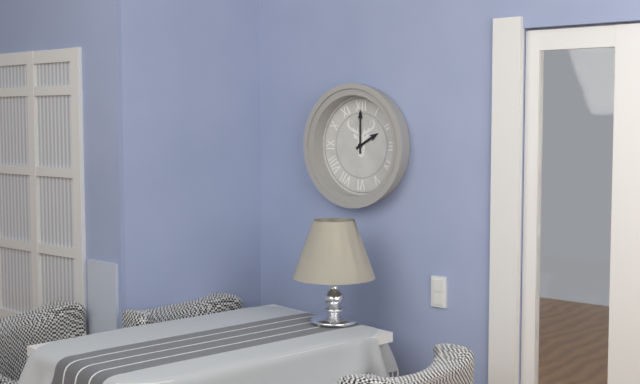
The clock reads {"hour": 2, "minute": 0}
